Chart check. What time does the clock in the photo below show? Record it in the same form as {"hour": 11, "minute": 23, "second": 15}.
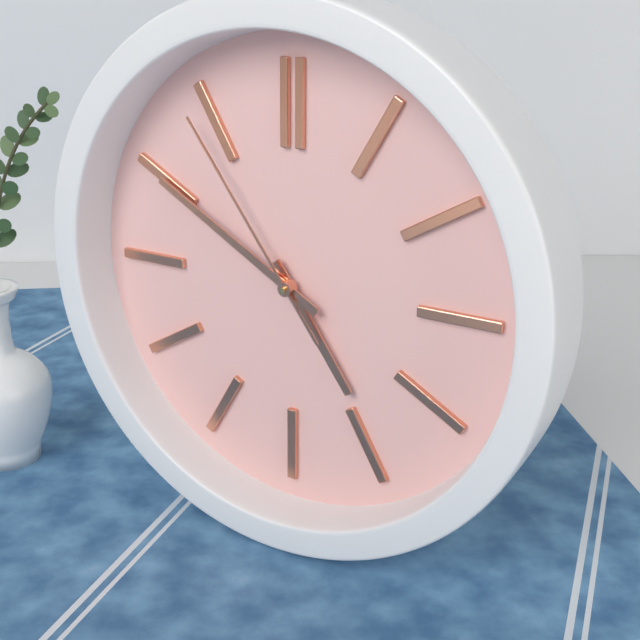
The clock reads {"hour": 4, "minute": 50, "second": 54}
